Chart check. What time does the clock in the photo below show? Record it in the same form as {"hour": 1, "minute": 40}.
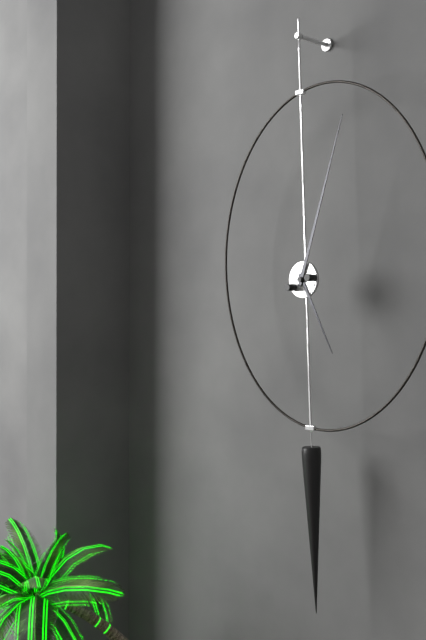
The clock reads {"hour": 5, "minute": 3}
